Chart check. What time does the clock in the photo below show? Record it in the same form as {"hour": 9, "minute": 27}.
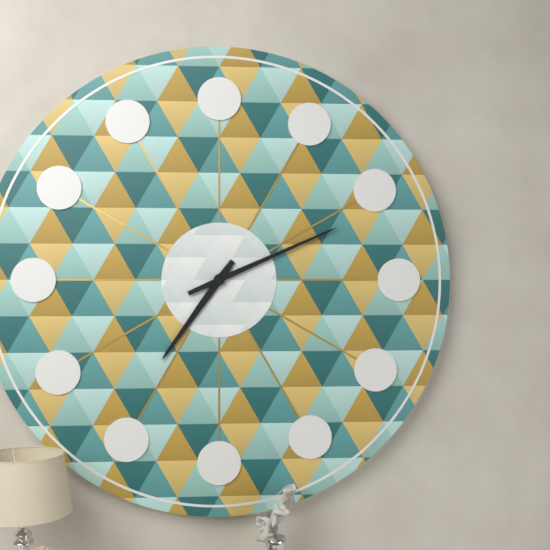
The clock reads {"hour": 7, "minute": 11}
